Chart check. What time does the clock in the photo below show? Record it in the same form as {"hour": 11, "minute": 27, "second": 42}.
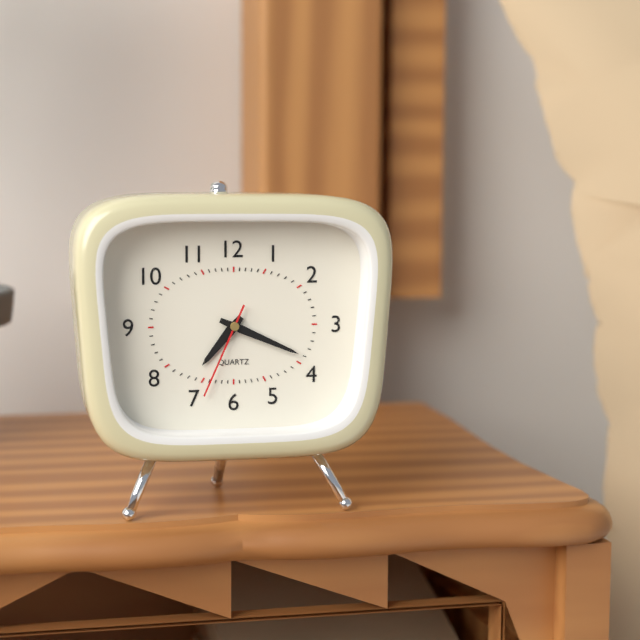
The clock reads {"hour": 7, "minute": 19, "second": 34}
